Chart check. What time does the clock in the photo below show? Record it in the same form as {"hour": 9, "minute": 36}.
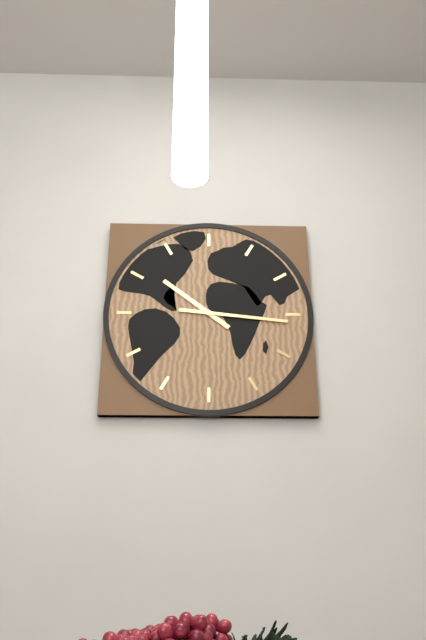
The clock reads {"hour": 10, "minute": 16}
